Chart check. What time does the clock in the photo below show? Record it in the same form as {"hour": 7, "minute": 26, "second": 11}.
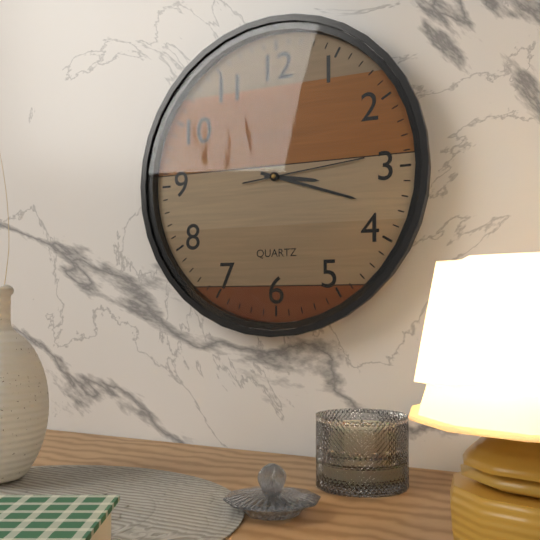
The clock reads {"hour": 3, "minute": 18, "second": 14}
